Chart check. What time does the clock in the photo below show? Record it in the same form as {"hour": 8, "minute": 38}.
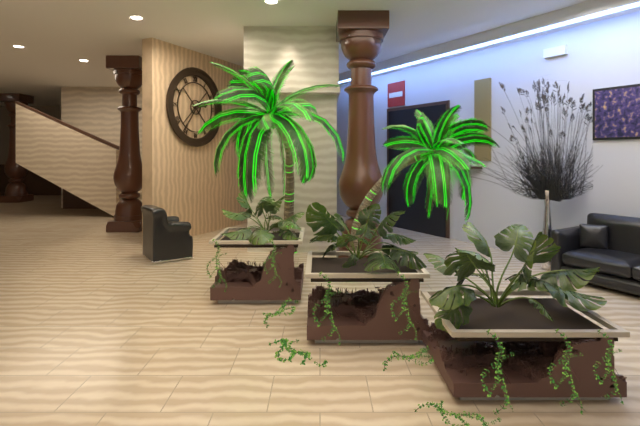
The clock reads {"hour": 2, "minute": 36}
